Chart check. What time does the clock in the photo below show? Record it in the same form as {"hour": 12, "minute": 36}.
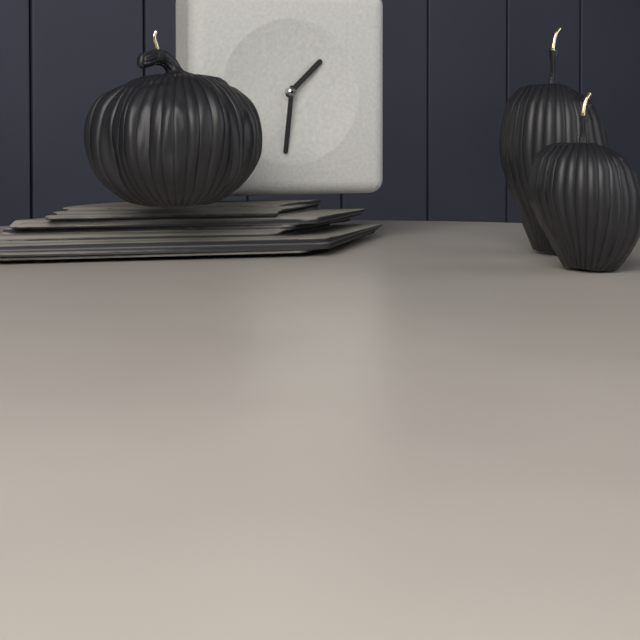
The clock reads {"hour": 1, "minute": 31}
